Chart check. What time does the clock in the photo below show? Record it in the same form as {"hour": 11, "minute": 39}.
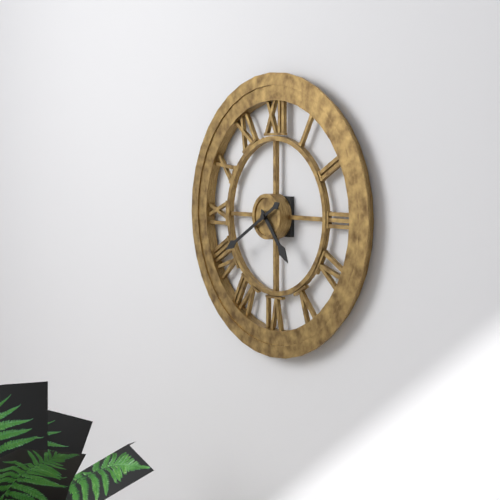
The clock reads {"hour": 4, "minute": 40}
